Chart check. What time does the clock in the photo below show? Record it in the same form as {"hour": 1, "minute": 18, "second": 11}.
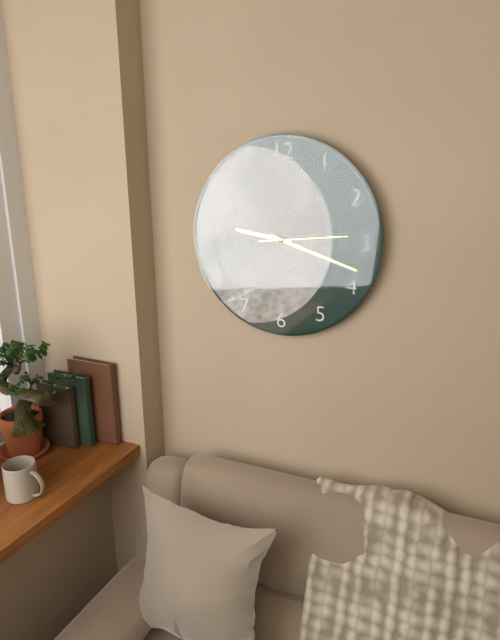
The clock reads {"hour": 9, "minute": 18, "second": 14}
